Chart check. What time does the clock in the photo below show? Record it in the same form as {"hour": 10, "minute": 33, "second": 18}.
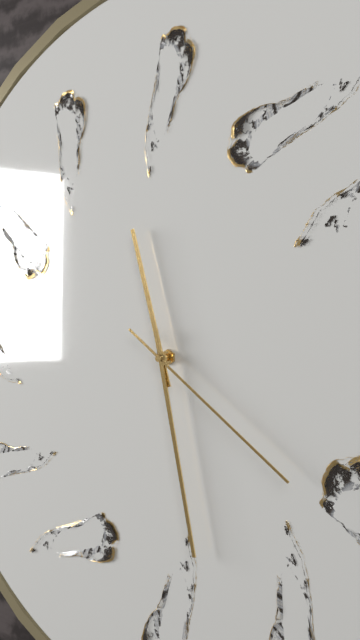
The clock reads {"hour": 11, "minute": 28, "second": 21}
